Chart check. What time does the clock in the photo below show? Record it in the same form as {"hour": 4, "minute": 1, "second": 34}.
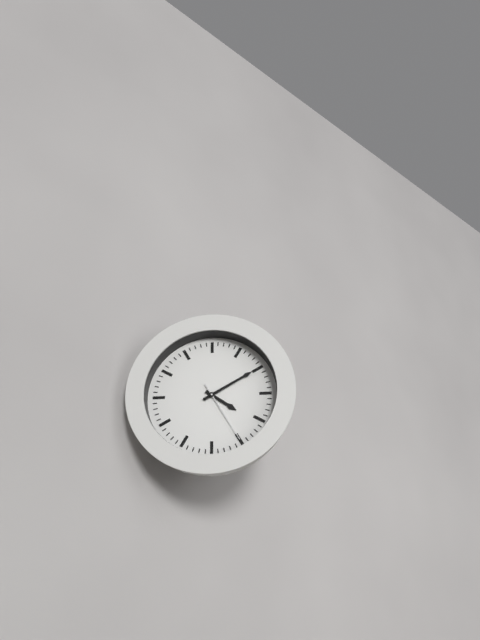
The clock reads {"hour": 4, "minute": 10, "second": 25}
